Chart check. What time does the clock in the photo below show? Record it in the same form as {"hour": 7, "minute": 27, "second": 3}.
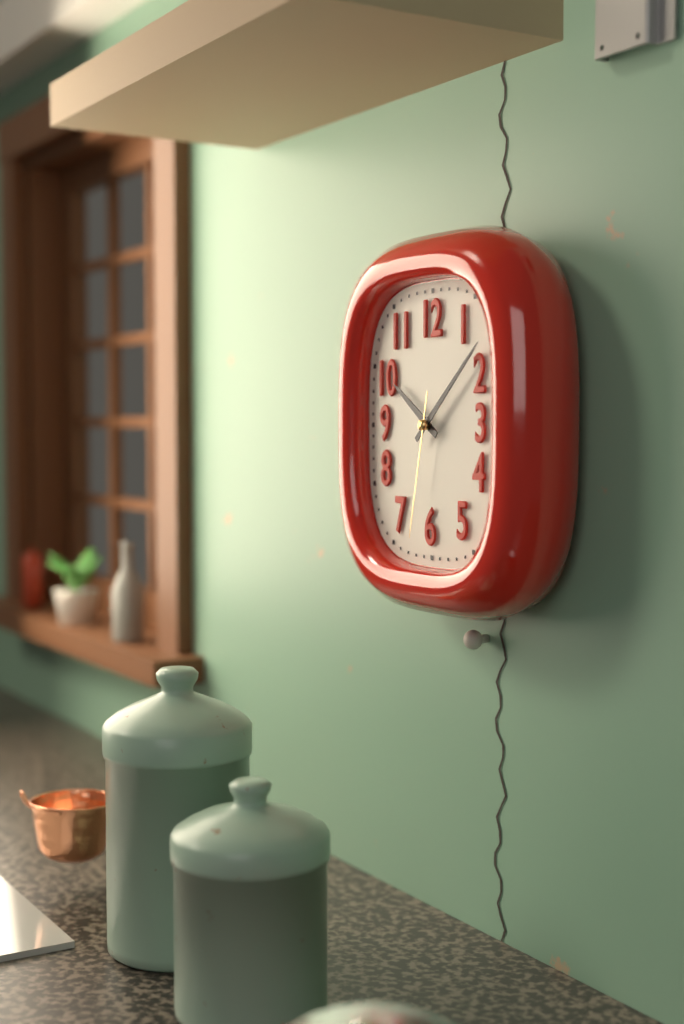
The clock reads {"hour": 10, "minute": 8, "second": 32}
